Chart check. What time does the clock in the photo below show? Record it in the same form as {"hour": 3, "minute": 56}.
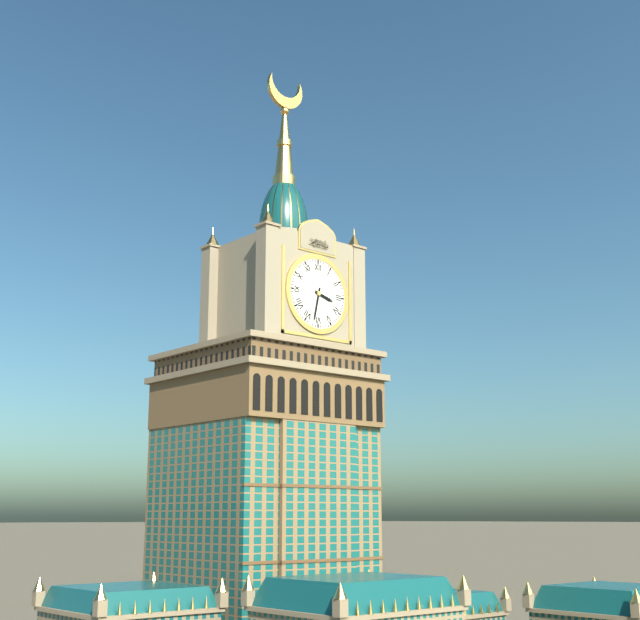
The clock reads {"hour": 3, "minute": 32}
